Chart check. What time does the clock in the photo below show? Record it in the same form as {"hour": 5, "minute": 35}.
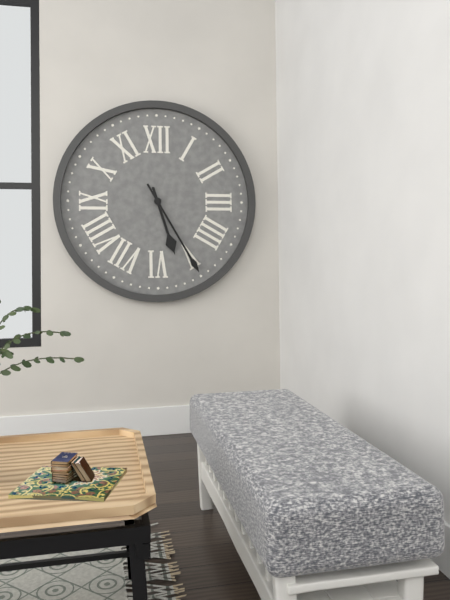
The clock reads {"hour": 5, "minute": 25}
